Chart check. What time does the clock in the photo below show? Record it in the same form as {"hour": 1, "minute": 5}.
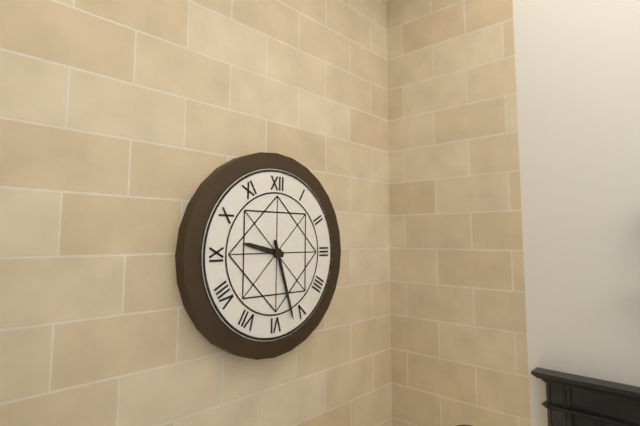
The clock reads {"hour": 9, "minute": 27}
